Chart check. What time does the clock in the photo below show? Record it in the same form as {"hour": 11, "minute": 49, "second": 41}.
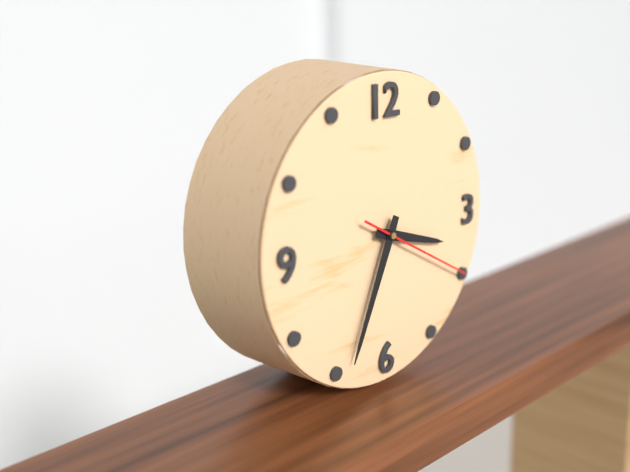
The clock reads {"hour": 3, "minute": 34, "second": 20}
